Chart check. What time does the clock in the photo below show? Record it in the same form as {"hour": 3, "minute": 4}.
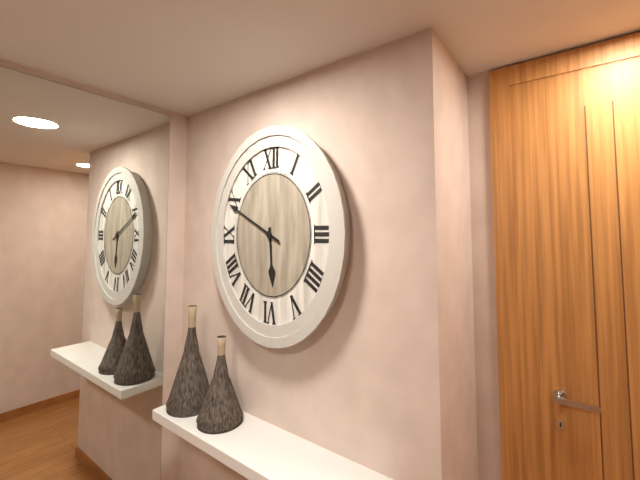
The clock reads {"hour": 5, "minute": 49}
